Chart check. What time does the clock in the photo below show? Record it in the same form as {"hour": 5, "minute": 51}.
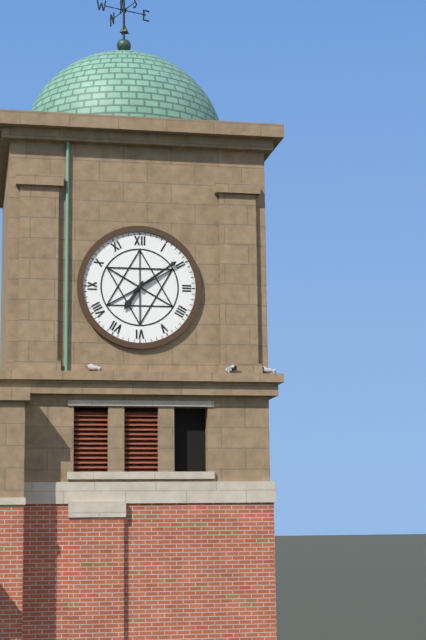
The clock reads {"hour": 7, "minute": 9}
